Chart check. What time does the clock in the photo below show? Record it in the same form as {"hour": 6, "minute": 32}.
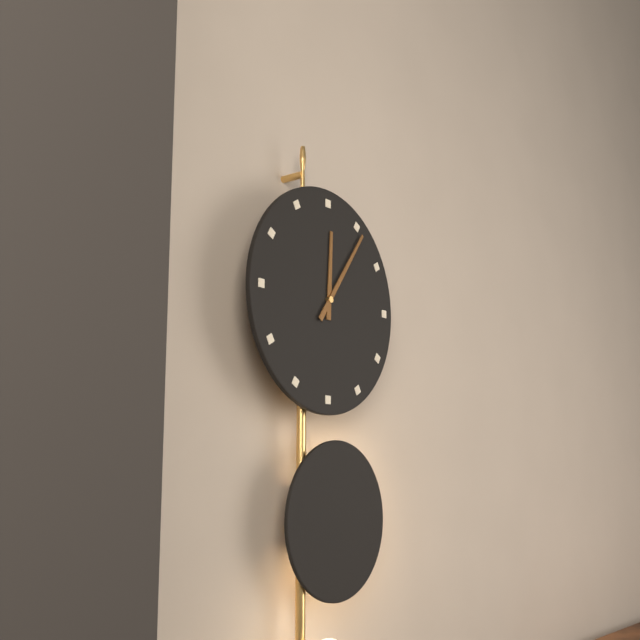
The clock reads {"hour": 12, "minute": 6}
